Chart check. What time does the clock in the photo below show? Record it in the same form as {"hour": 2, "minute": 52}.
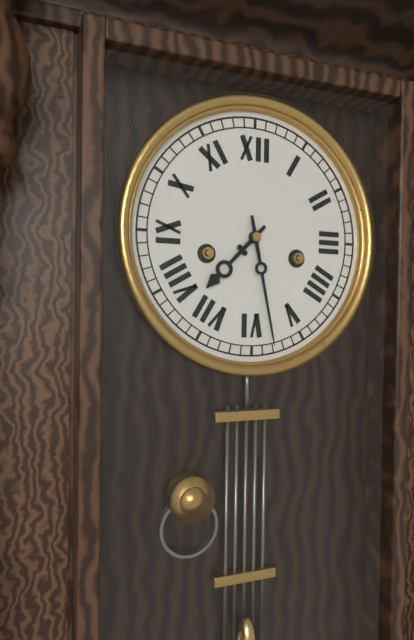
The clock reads {"hour": 7, "minute": 28}
